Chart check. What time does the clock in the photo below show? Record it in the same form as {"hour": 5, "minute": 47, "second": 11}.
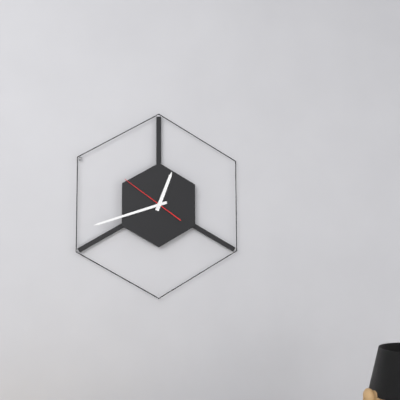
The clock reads {"hour": 12, "minute": 42, "second": 51}
